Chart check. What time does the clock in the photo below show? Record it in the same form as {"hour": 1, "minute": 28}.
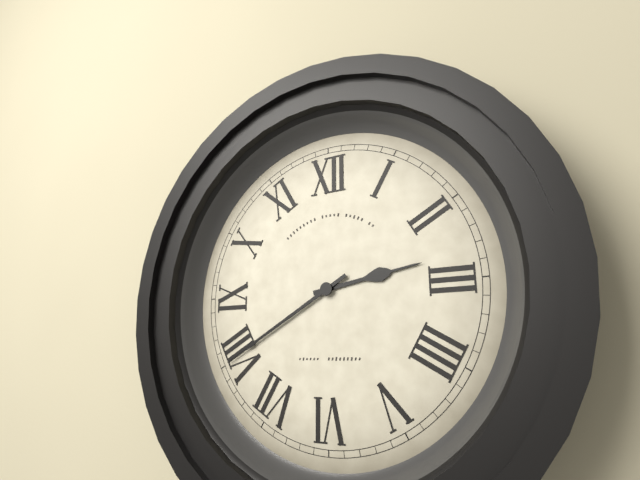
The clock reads {"hour": 2, "minute": 40}
